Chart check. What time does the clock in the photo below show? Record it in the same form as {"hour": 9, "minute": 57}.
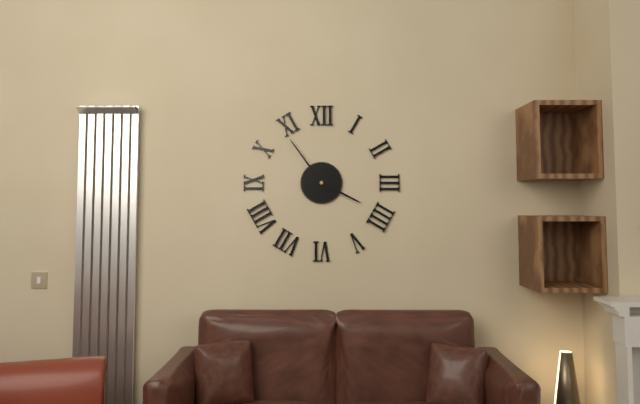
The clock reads {"hour": 3, "minute": 54}
